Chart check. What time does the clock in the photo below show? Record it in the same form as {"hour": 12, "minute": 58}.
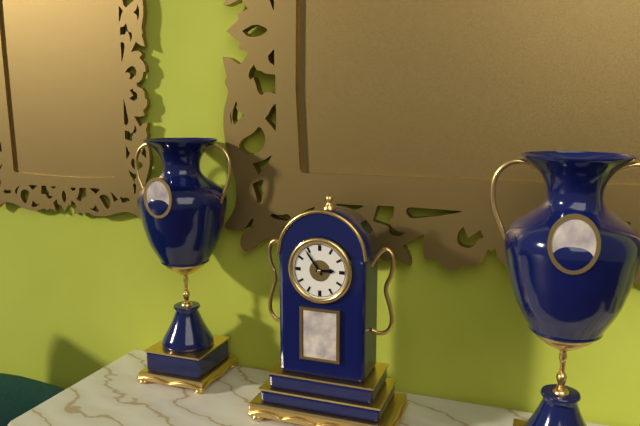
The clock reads {"hour": 2, "minute": 54}
